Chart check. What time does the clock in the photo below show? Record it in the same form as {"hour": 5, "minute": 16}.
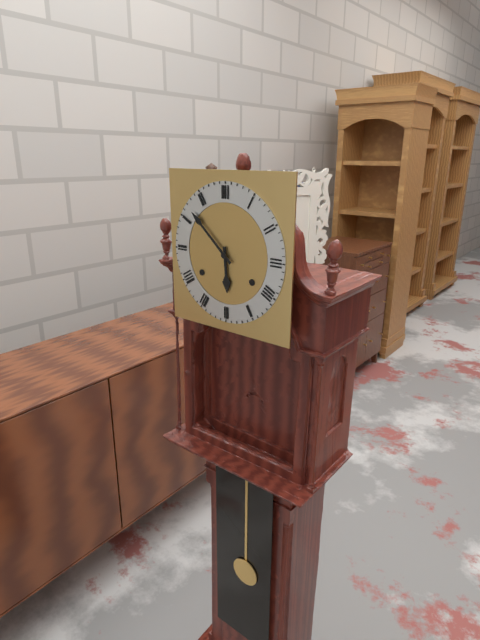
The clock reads {"hour": 5, "minute": 52}
